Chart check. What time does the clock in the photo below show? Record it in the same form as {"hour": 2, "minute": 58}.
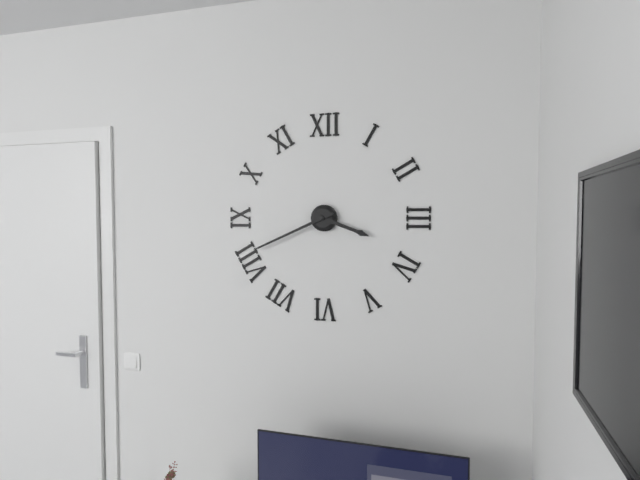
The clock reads {"hour": 3, "minute": 41}
